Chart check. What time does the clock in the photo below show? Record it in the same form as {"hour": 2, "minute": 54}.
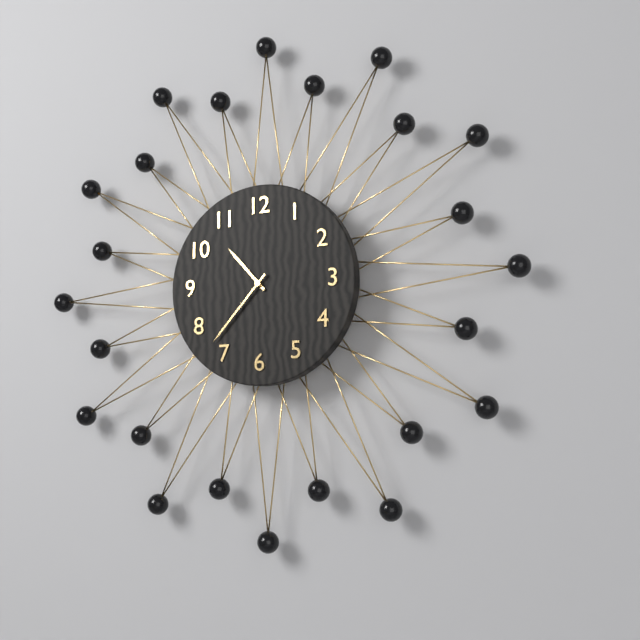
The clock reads {"hour": 10, "minute": 37}
